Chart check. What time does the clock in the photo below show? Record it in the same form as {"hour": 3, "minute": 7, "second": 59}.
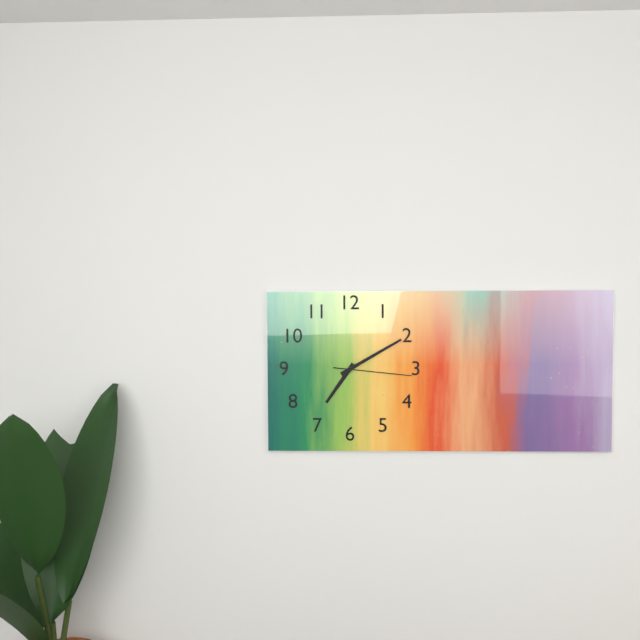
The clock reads {"hour": 7, "minute": 10, "second": 16}
